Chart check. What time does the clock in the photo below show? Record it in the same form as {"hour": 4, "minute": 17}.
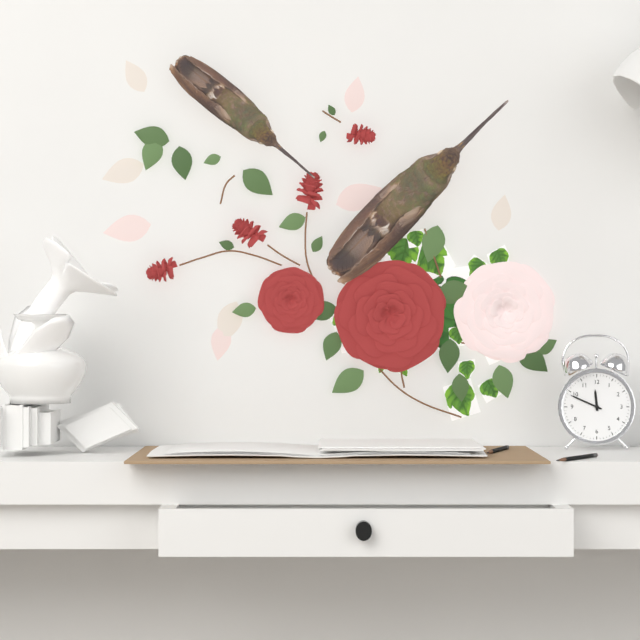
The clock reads {"hour": 11, "minute": 49}
